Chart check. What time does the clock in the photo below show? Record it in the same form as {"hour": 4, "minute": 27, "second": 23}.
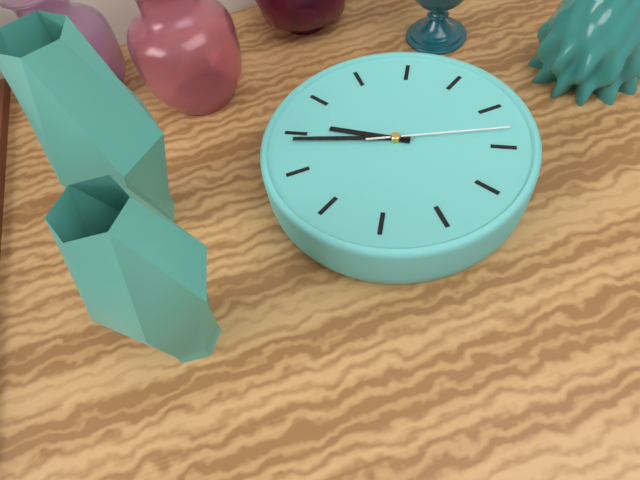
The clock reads {"hour": 3, "minute": 14, "second": 43}
